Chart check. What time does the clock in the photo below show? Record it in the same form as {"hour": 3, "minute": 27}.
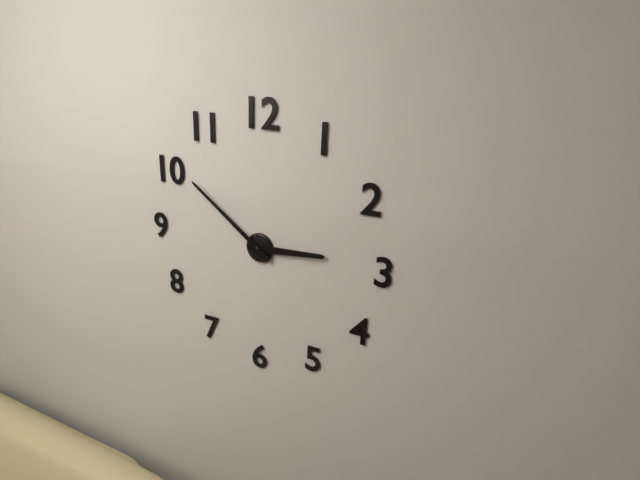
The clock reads {"hour": 2, "minute": 51}
